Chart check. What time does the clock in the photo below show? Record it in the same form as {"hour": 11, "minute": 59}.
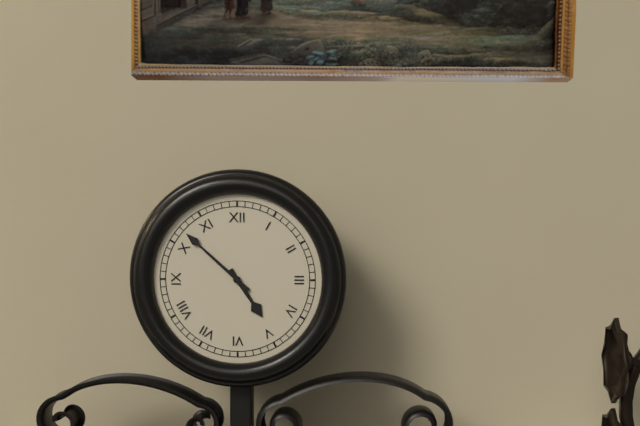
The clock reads {"hour": 4, "minute": 52}
